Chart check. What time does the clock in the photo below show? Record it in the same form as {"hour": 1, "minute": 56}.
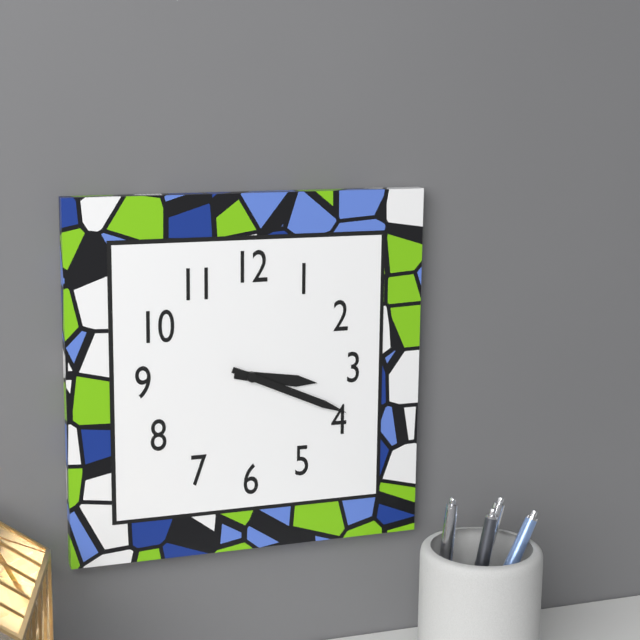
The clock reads {"hour": 3, "minute": 19}
